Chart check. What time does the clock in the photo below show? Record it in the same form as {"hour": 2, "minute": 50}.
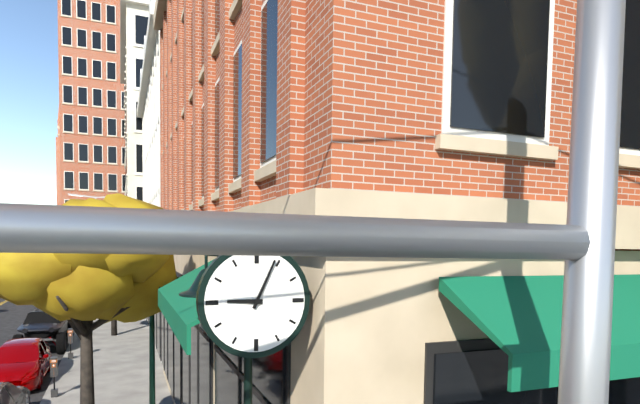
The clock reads {"hour": 9, "minute": 4}
